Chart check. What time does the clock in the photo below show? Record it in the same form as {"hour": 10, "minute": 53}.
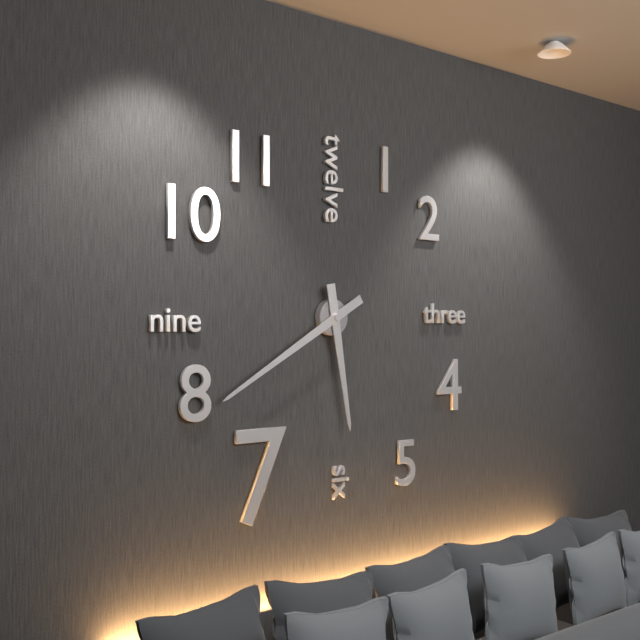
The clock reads {"hour": 5, "minute": 40}
